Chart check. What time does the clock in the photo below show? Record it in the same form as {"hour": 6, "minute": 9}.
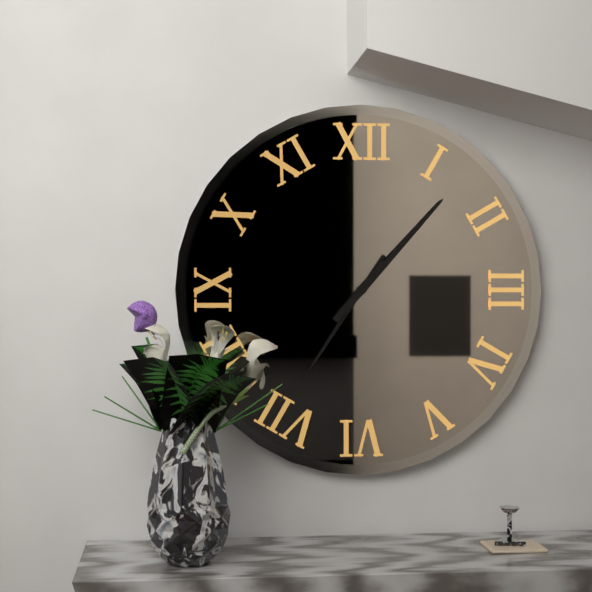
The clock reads {"hour": 7, "minute": 7}
